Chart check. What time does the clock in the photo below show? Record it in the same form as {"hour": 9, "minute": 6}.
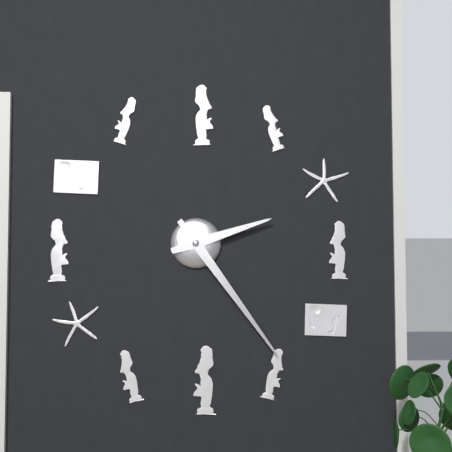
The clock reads {"hour": 2, "minute": 24}
